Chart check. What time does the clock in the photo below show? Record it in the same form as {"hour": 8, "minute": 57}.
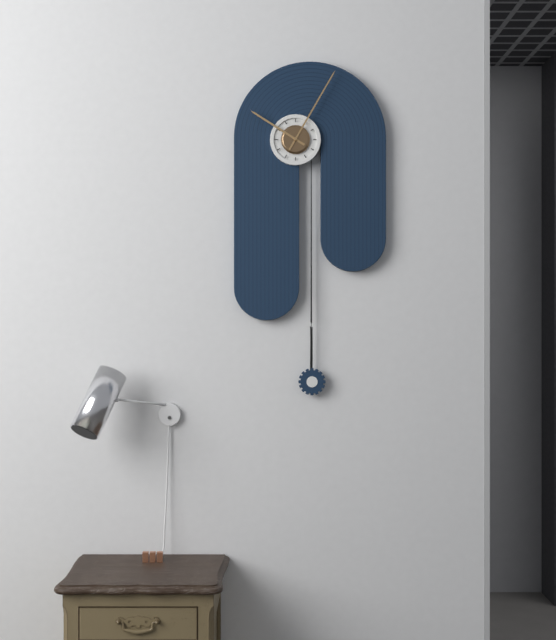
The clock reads {"hour": 10, "minute": 5}
